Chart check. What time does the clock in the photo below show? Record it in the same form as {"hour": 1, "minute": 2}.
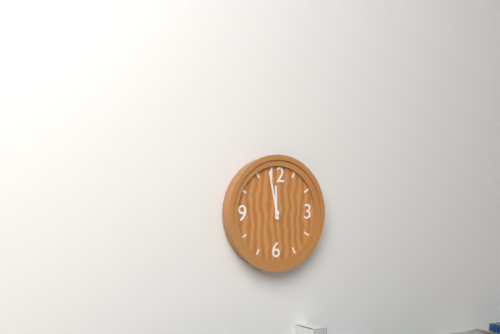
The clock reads {"hour": 11, "minute": 58}
